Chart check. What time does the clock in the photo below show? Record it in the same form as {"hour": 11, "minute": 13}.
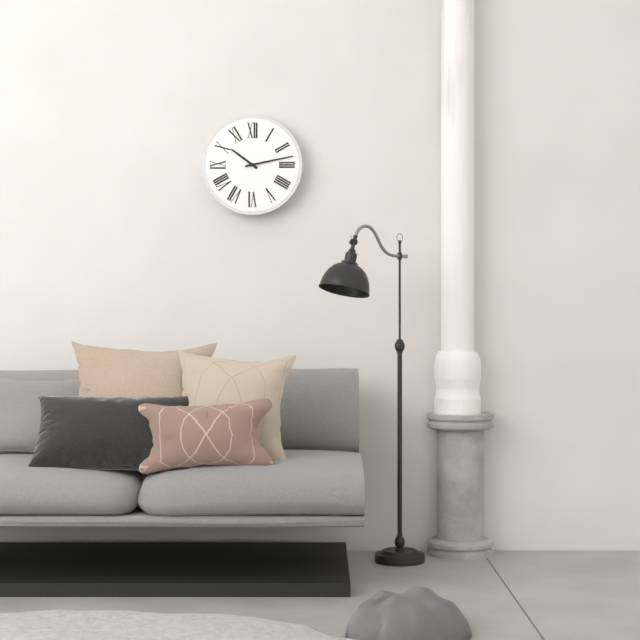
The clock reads {"hour": 10, "minute": 13}
